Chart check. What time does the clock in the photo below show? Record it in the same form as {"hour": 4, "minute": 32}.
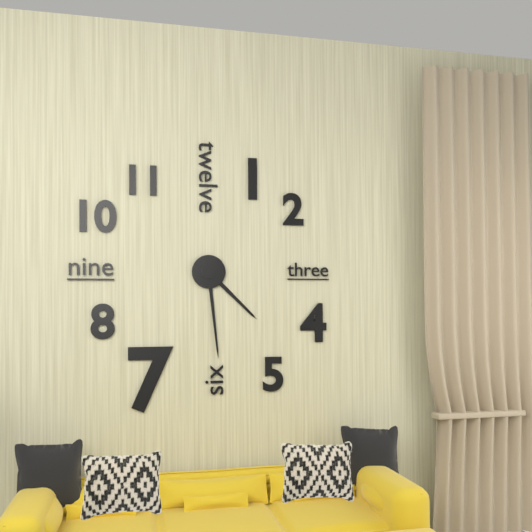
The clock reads {"hour": 4, "minute": 29}
